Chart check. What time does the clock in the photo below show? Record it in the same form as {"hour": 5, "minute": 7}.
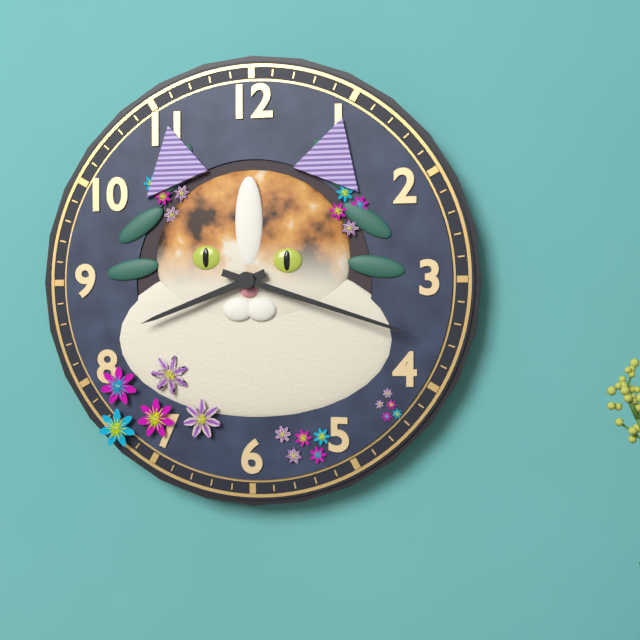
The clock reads {"hour": 8, "minute": 18}
